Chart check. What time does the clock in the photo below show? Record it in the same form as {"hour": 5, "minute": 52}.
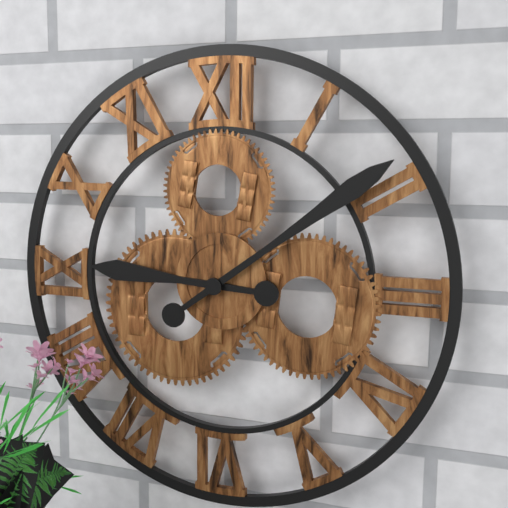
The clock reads {"hour": 9, "minute": 9}
